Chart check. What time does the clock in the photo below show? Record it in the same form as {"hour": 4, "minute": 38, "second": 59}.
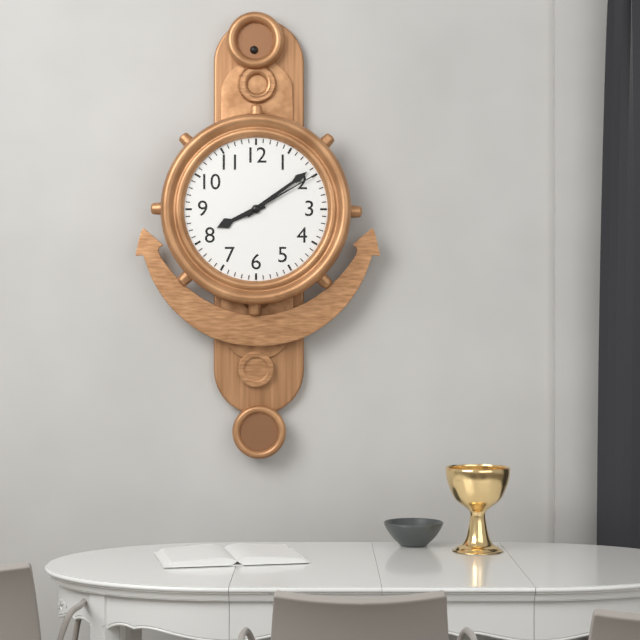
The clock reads {"hour": 8, "minute": 9, "second": 10}
